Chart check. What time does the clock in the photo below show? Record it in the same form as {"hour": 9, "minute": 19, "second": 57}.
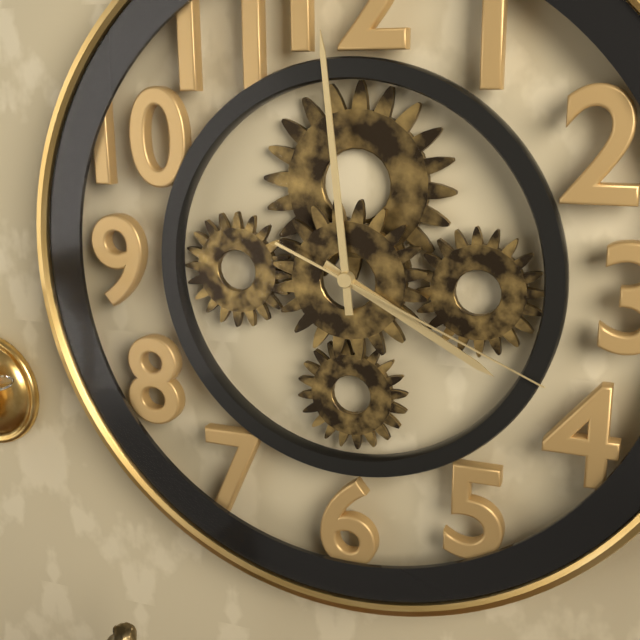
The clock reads {"hour": 3, "minute": 59, "second": 19}
